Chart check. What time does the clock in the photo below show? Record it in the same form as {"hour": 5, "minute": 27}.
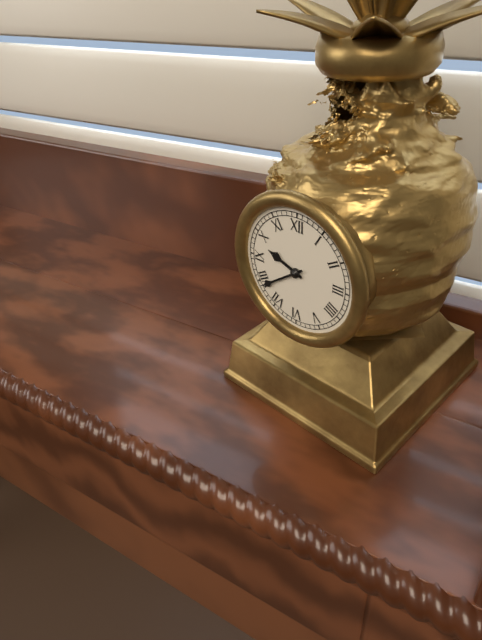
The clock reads {"hour": 9, "minute": 39}
